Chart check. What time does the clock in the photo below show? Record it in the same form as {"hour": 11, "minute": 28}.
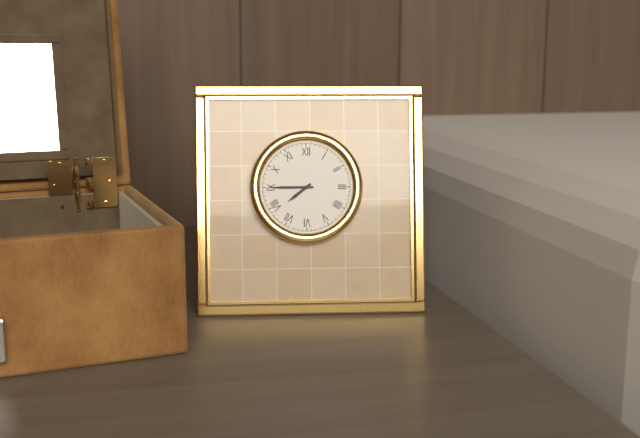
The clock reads {"hour": 7, "minute": 45}
